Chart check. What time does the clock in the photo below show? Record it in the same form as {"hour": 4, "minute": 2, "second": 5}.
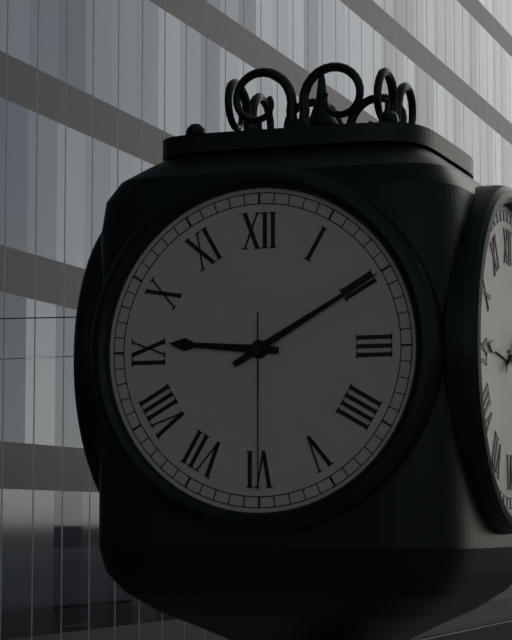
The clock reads {"hour": 9, "minute": 10, "second": 30}
